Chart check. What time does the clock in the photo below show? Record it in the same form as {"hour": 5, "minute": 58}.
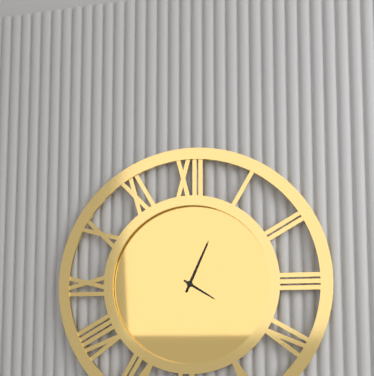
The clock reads {"hour": 4, "minute": 4}
